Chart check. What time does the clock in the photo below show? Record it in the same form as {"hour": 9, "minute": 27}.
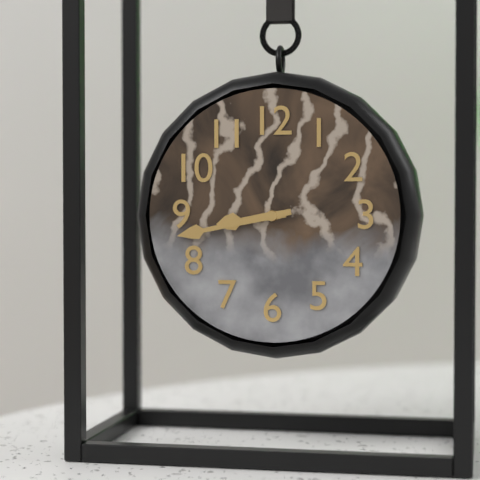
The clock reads {"hour": 8, "minute": 43}
